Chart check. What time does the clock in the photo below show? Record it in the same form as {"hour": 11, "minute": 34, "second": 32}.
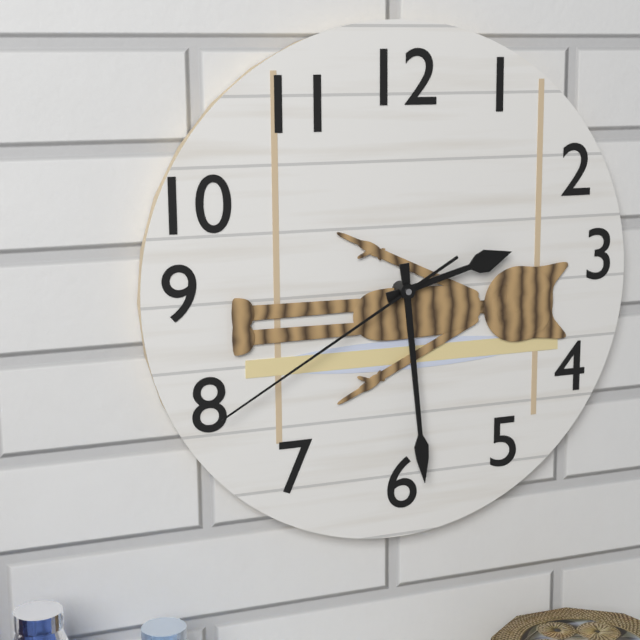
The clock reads {"hour": 2, "minute": 29, "second": 40}
